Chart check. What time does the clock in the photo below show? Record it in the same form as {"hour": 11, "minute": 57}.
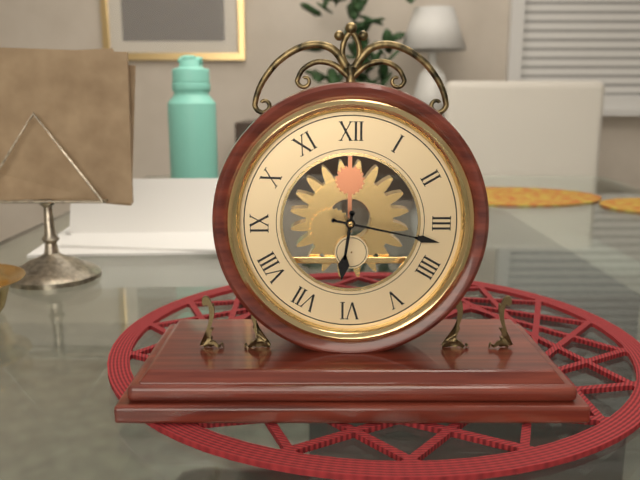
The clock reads {"hour": 6, "minute": 17}
